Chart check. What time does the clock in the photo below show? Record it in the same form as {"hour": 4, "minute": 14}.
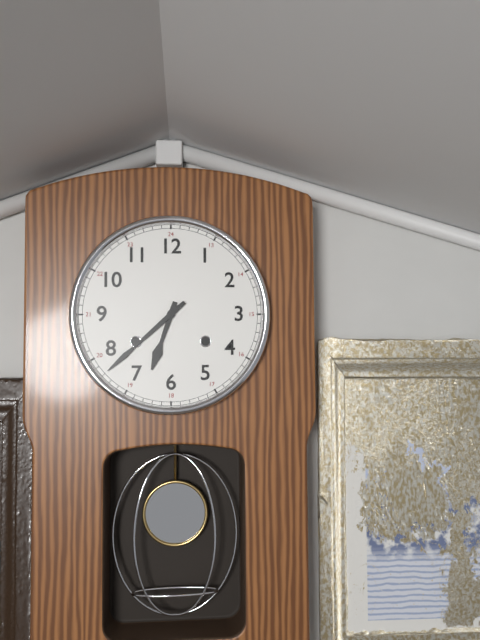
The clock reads {"hour": 6, "minute": 38}
